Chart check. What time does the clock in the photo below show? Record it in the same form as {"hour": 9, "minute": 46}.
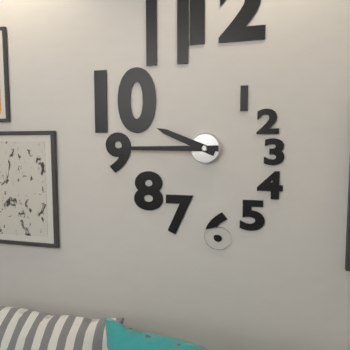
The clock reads {"hour": 9, "minute": 45}
